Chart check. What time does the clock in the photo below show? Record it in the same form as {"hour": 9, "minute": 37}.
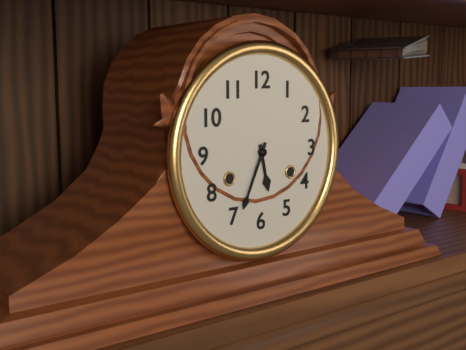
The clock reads {"hour": 5, "minute": 34}
